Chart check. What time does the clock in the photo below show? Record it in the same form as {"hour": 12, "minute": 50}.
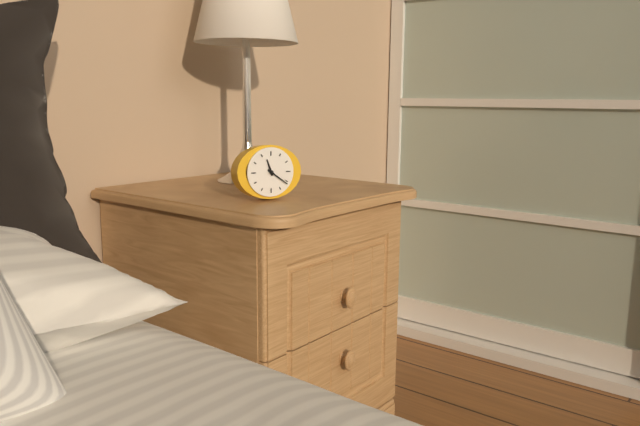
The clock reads {"hour": 11, "minute": 21}
